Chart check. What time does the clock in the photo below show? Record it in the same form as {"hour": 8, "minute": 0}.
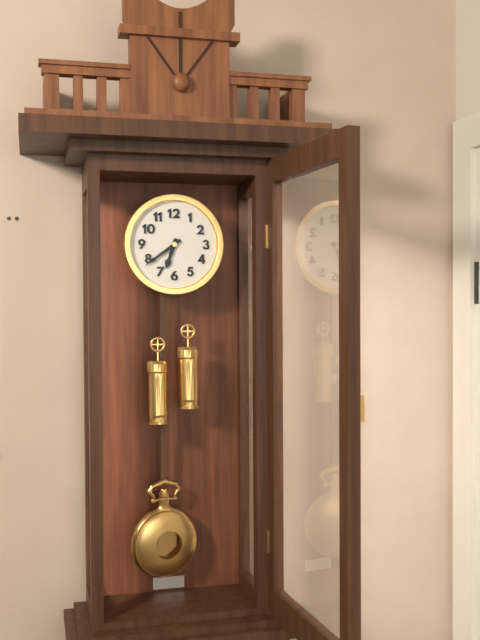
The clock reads {"hour": 6, "minute": 39}
